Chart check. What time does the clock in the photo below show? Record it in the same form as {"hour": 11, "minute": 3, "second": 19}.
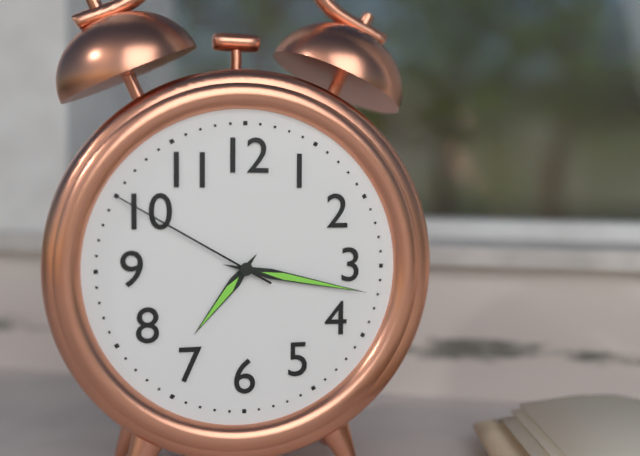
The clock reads {"hour": 7, "minute": 17, "second": 50}
